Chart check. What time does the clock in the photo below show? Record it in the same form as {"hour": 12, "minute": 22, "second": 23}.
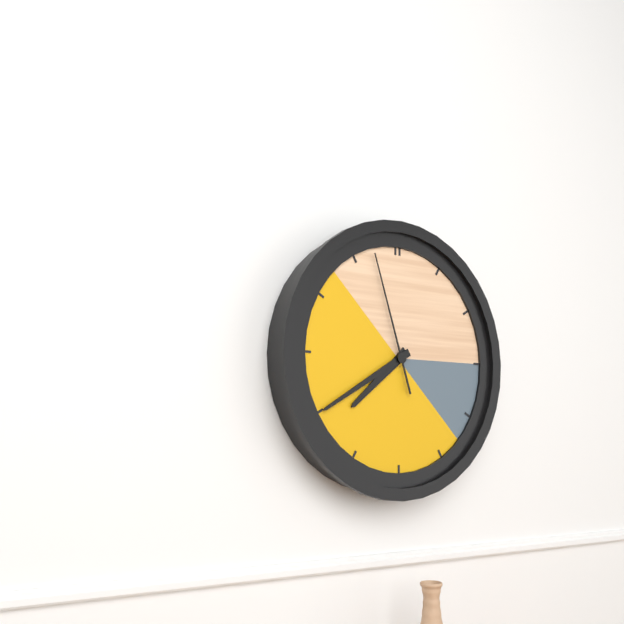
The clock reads {"hour": 7, "minute": 40, "second": 57}
